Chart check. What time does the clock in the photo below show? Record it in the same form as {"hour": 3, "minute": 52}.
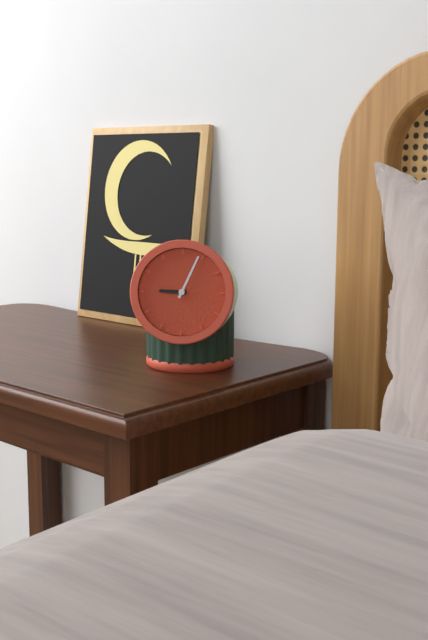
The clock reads {"hour": 9, "minute": 4}
